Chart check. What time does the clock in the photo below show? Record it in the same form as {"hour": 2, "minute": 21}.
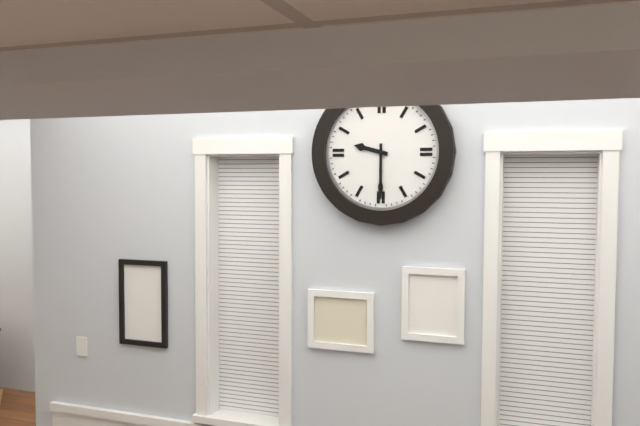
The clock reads {"hour": 9, "minute": 30}
